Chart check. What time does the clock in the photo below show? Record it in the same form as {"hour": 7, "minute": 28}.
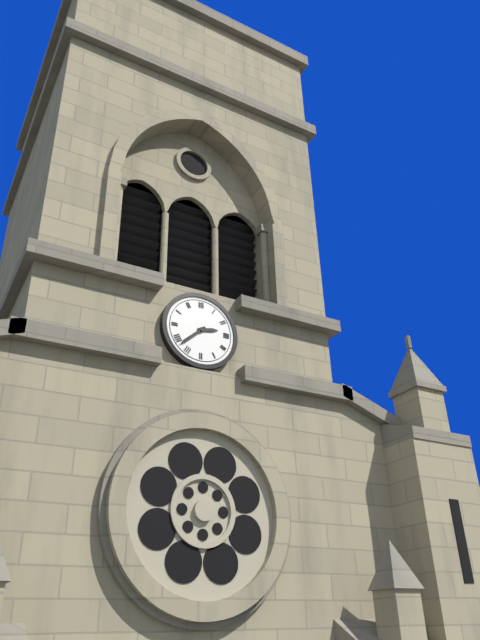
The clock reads {"hour": 2, "minute": 38}
